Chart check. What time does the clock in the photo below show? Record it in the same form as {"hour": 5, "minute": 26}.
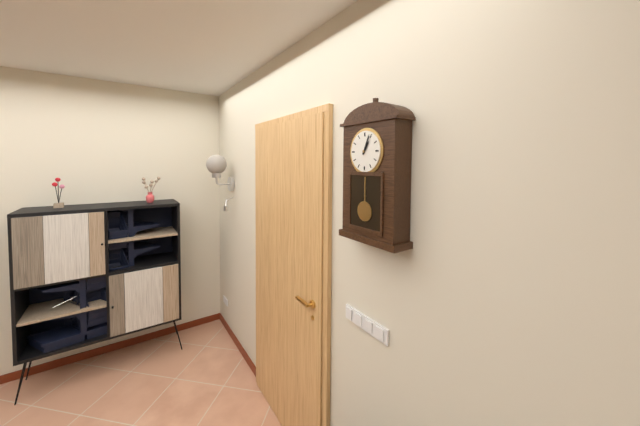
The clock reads {"hour": 1, "minute": 4}
